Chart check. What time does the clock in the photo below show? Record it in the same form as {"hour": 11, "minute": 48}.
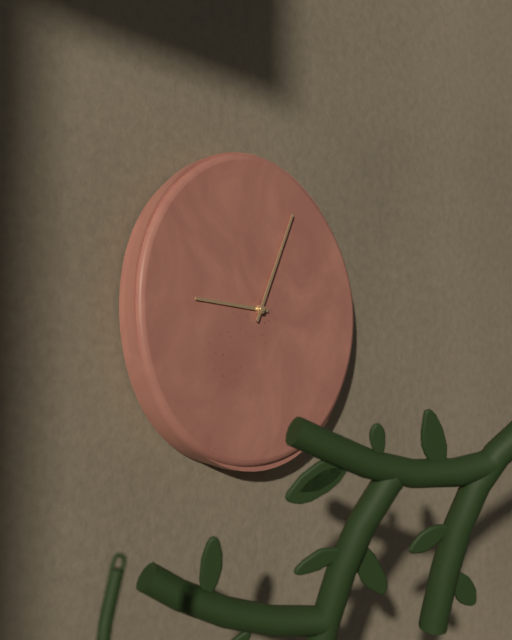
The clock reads {"hour": 9, "minute": 4}
